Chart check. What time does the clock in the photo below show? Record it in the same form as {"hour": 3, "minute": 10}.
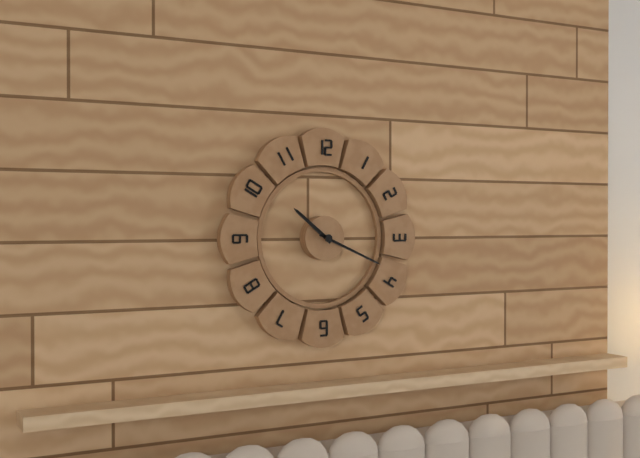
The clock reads {"hour": 10, "minute": 19}
